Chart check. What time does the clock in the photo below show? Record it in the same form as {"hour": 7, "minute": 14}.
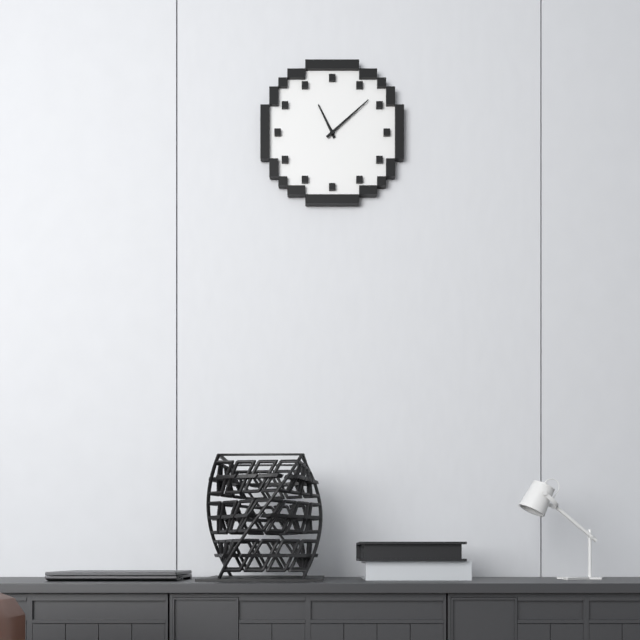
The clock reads {"hour": 11, "minute": 8}
